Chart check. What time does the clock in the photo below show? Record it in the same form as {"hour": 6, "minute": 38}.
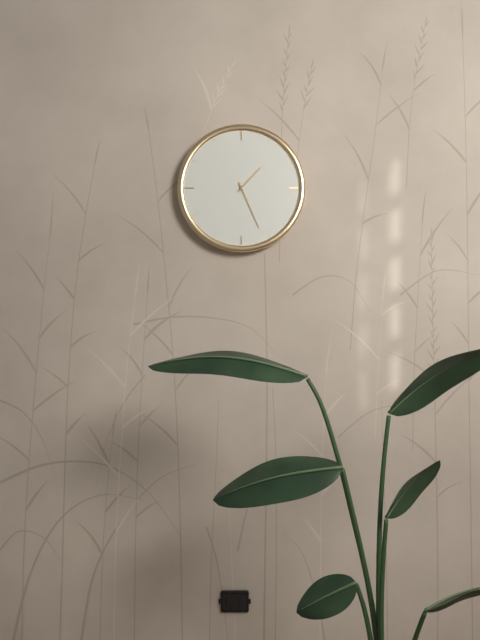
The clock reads {"hour": 1, "minute": 26}
